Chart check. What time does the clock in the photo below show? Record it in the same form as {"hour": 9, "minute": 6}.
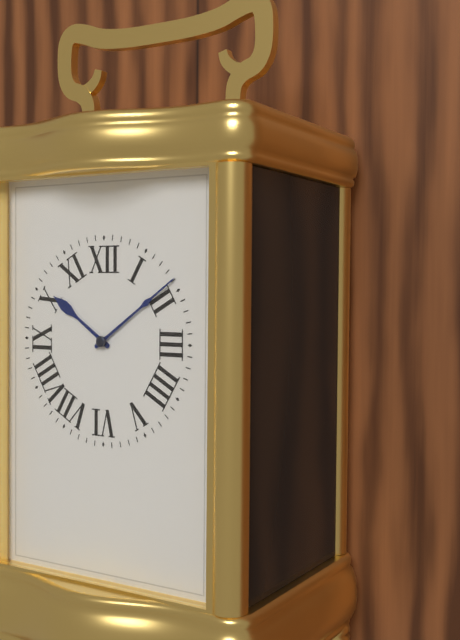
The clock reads {"hour": 10, "minute": 9}
